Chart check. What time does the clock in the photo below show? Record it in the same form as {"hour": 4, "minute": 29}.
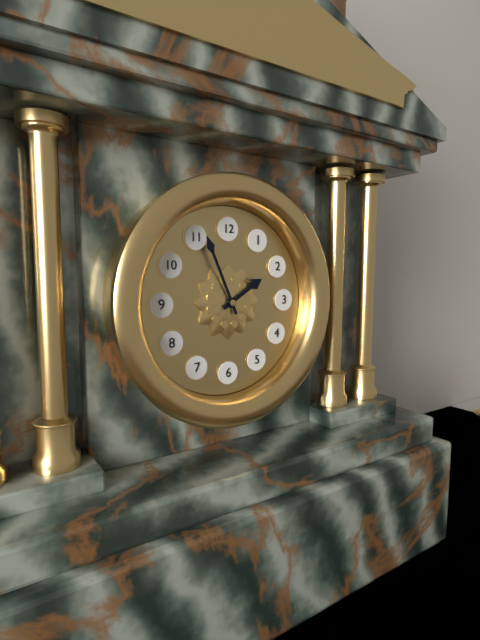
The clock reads {"hour": 1, "minute": 56}
